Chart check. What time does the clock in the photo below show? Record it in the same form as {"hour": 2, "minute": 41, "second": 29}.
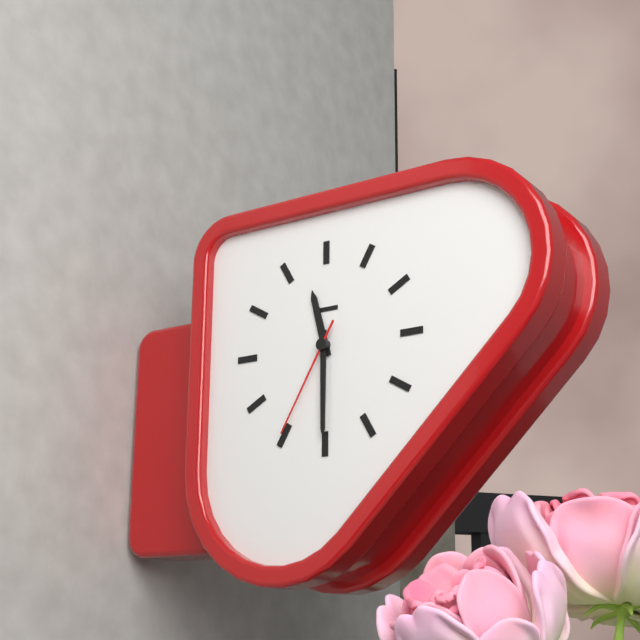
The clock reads {"hour": 11, "minute": 30, "second": 35}
